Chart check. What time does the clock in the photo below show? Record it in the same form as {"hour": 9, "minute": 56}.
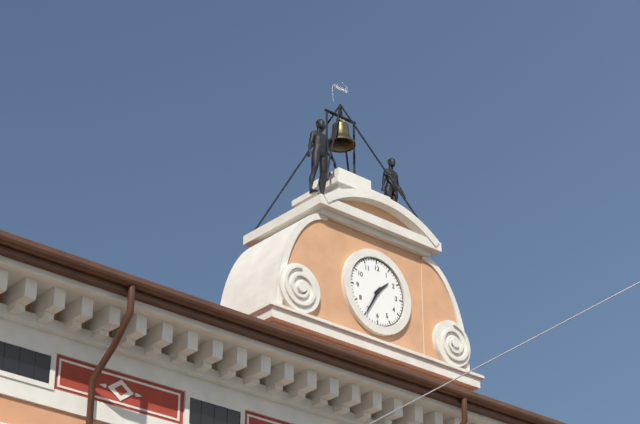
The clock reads {"hour": 1, "minute": 35}
